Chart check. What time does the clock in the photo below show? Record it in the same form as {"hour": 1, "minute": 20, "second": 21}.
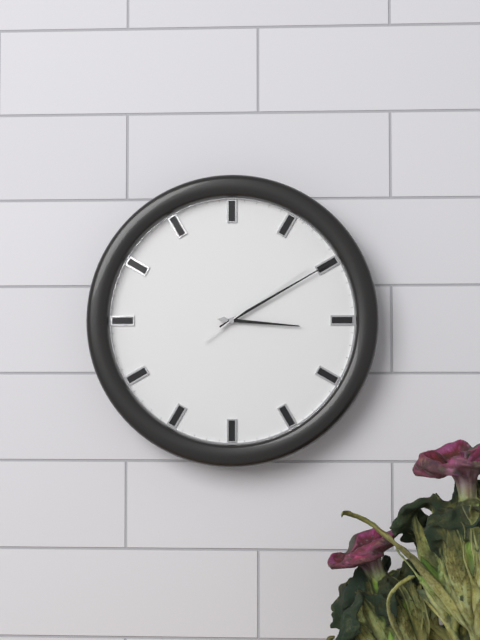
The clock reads {"hour": 3, "minute": 10, "second": 9}
